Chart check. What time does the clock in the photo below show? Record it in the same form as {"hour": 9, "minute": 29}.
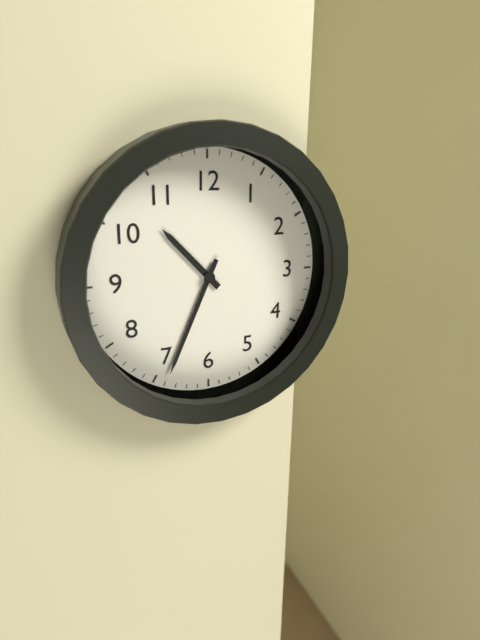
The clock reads {"hour": 10, "minute": 34}
